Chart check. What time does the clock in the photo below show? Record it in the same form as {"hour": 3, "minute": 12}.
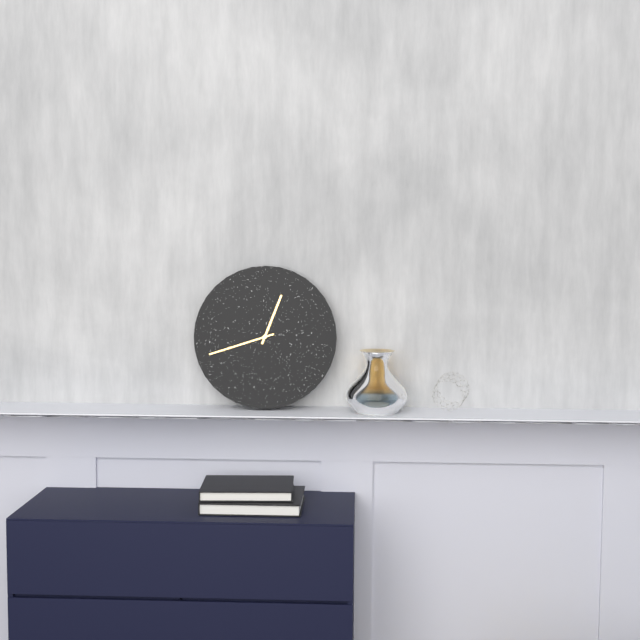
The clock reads {"hour": 12, "minute": 42}
